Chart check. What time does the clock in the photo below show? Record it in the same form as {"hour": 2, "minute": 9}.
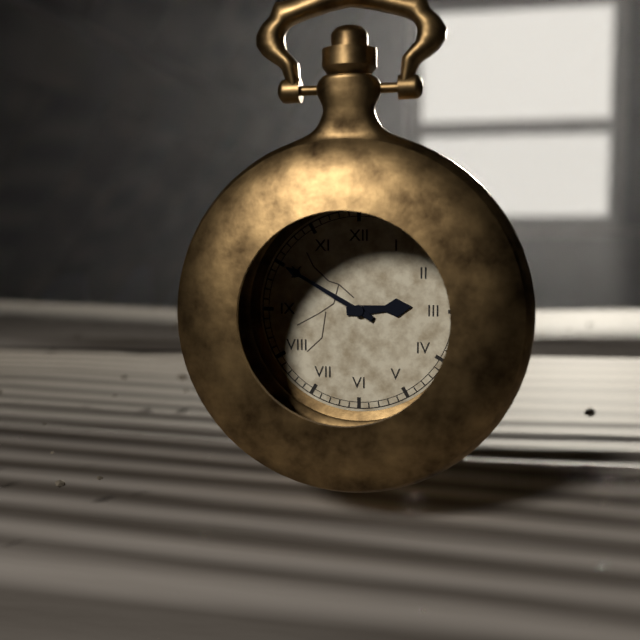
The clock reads {"hour": 2, "minute": 50}
